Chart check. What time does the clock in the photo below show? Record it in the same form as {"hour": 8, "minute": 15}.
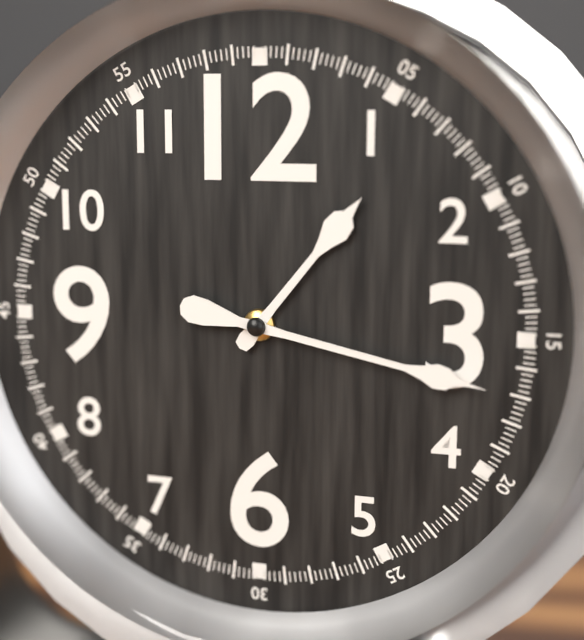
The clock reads {"hour": 1, "minute": 17}
